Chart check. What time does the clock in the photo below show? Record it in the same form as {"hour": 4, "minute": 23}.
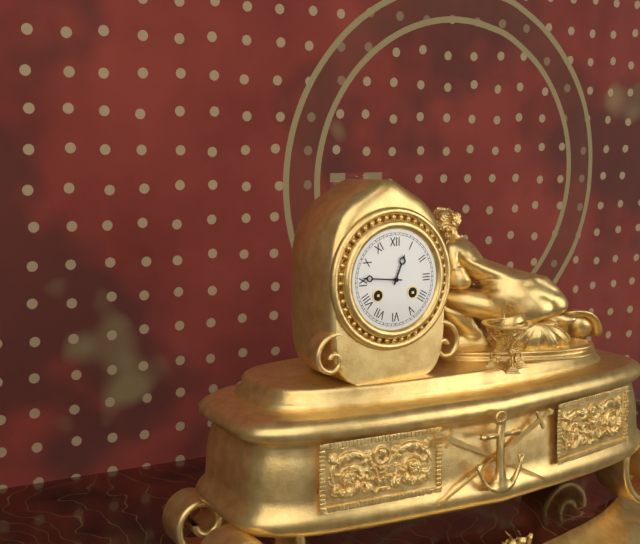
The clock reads {"hour": 12, "minute": 46}
